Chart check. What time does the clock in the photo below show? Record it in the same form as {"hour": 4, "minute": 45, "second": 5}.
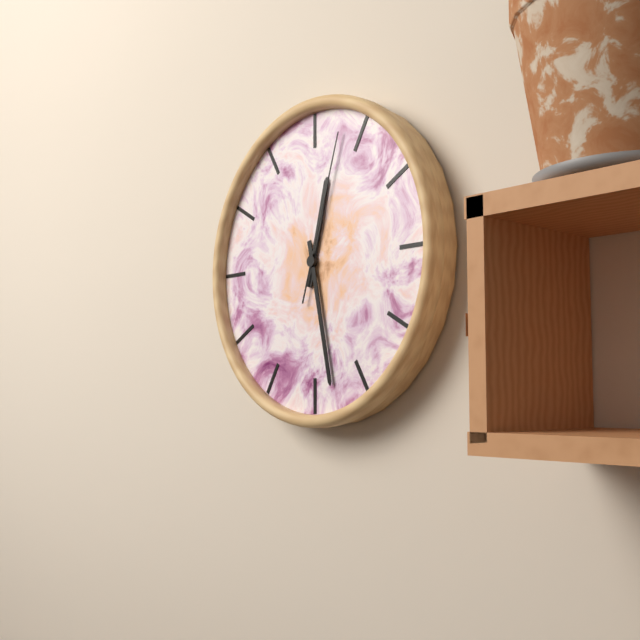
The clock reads {"hour": 12, "minute": 28, "second": 3}
